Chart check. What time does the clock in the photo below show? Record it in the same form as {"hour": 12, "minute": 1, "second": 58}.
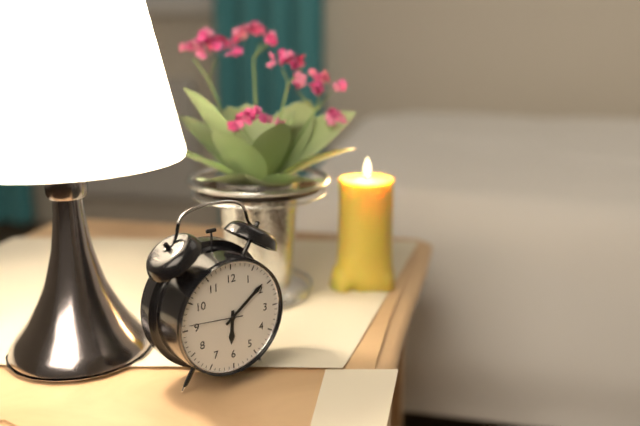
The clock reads {"hour": 6, "minute": 9, "second": 46}
